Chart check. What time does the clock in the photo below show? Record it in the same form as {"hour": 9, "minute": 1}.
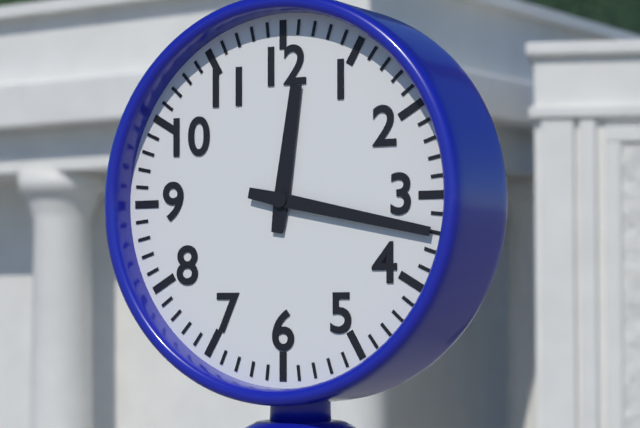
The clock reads {"hour": 12, "minute": 17}
